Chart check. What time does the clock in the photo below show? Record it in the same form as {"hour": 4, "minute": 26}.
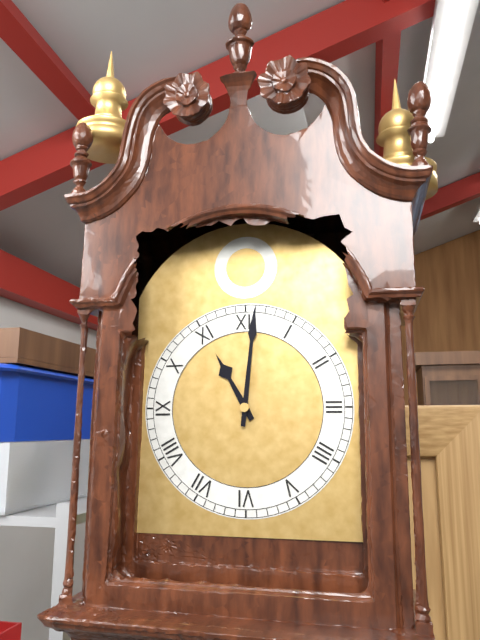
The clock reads {"hour": 11, "minute": 1}
